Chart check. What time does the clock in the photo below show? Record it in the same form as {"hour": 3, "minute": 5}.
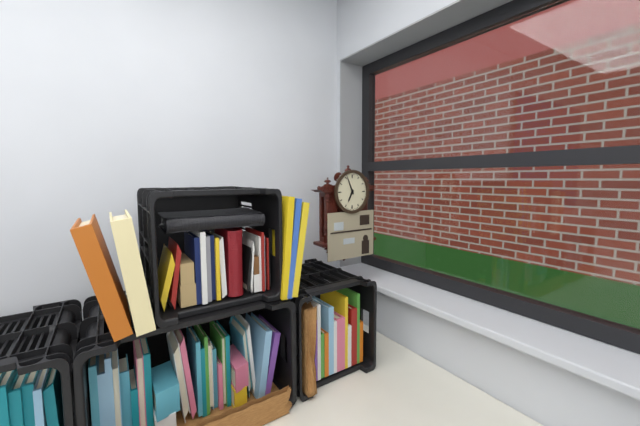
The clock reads {"hour": 6, "minute": 56}
